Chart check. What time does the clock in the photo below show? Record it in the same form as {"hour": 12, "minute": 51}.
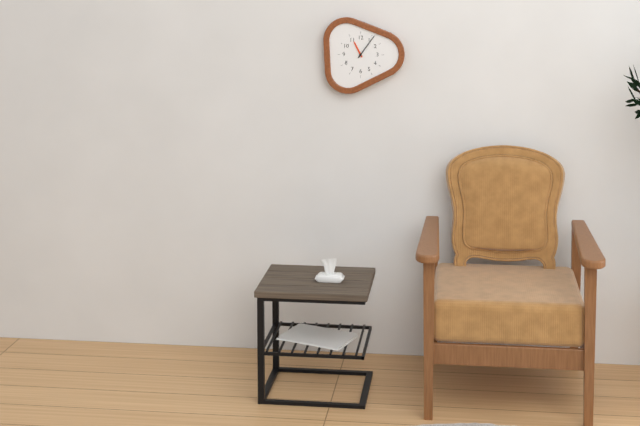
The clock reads {"hour": 11, "minute": 6}
